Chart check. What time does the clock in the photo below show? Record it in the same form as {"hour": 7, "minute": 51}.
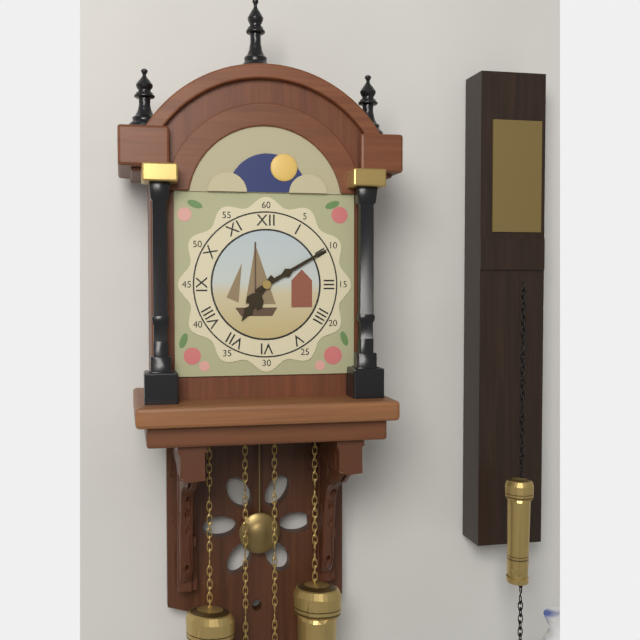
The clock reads {"hour": 7, "minute": 10}
